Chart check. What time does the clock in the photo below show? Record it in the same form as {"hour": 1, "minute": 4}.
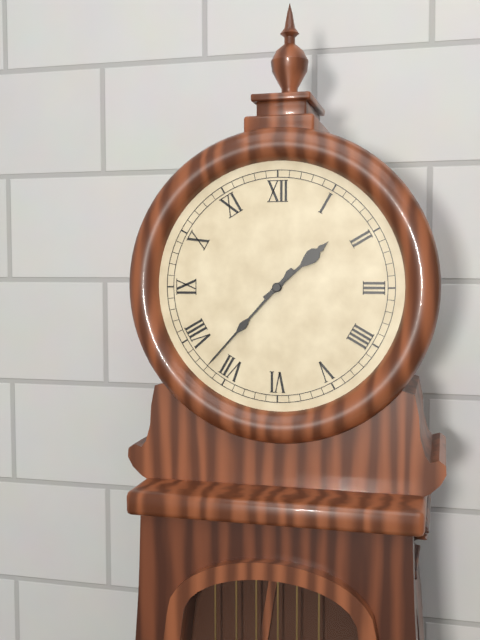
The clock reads {"hour": 1, "minute": 37}
